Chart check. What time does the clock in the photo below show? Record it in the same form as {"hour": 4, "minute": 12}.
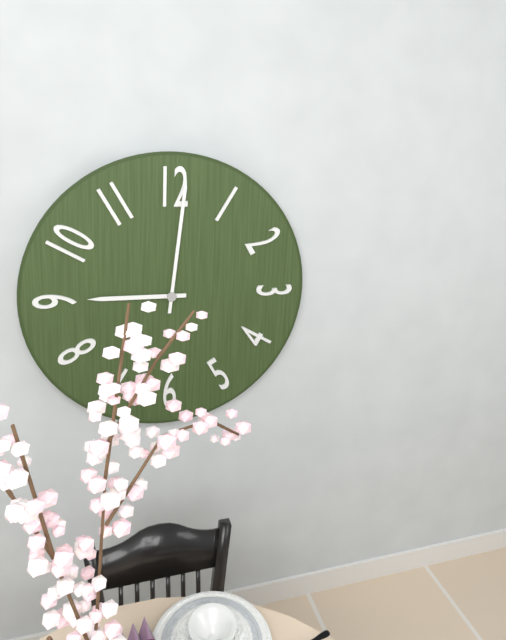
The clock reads {"hour": 9, "minute": 1}
